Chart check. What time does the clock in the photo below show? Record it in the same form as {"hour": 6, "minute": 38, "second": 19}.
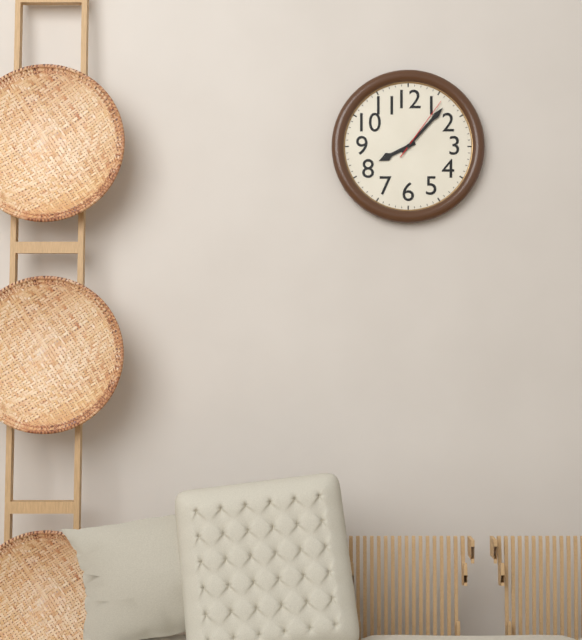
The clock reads {"hour": 8, "minute": 7, "second": 6}
